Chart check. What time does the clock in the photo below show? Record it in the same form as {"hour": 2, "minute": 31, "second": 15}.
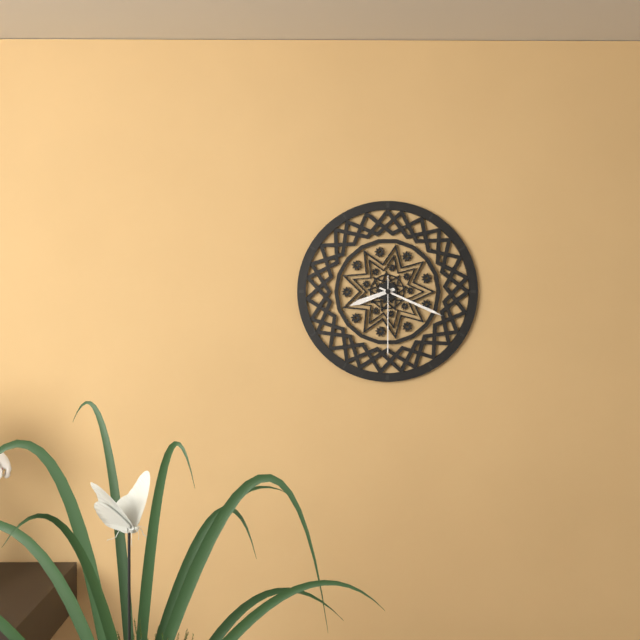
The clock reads {"hour": 8, "minute": 19, "second": 30}
